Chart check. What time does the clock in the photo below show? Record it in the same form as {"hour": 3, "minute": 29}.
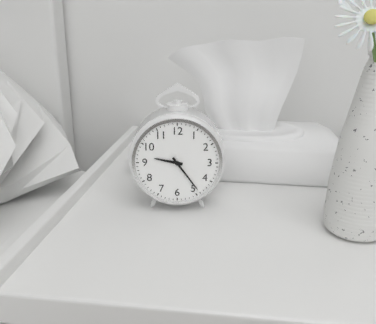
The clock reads {"hour": 9, "minute": 24}
